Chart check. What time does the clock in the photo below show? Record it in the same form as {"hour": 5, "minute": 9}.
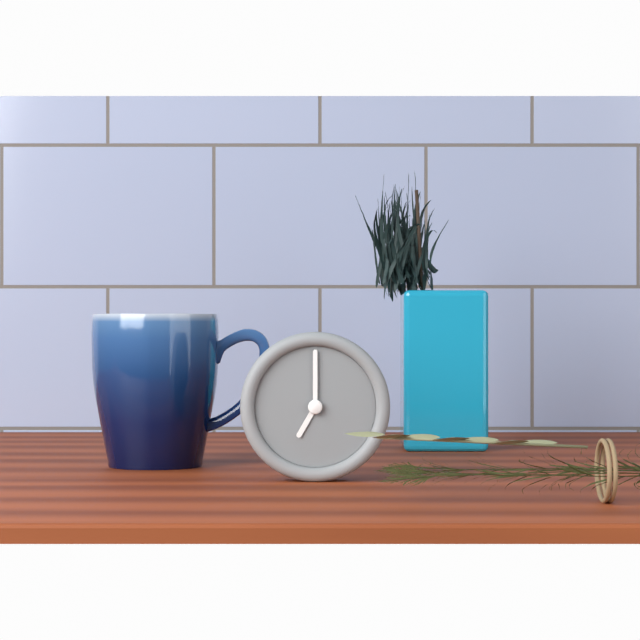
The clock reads {"hour": 7, "minute": 0}
